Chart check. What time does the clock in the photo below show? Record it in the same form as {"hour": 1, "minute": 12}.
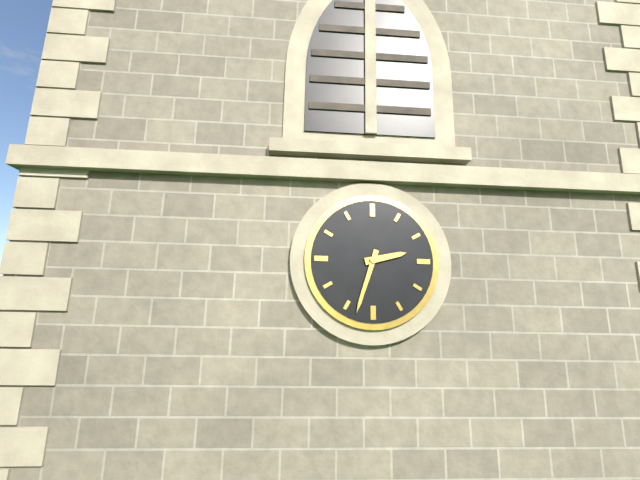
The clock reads {"hour": 2, "minute": 33}
